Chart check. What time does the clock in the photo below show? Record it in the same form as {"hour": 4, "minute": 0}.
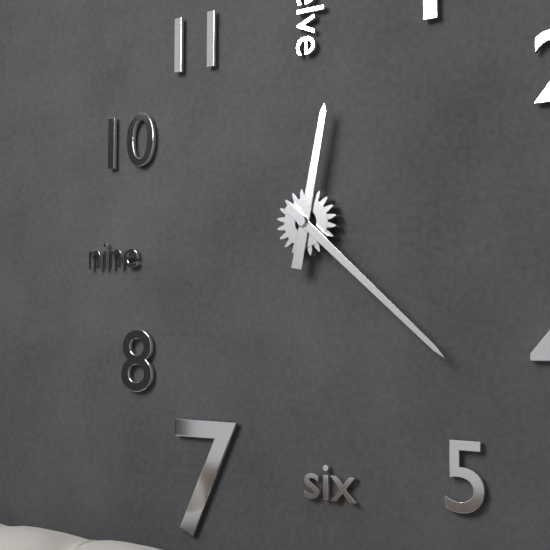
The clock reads {"hour": 12, "minute": 22}
